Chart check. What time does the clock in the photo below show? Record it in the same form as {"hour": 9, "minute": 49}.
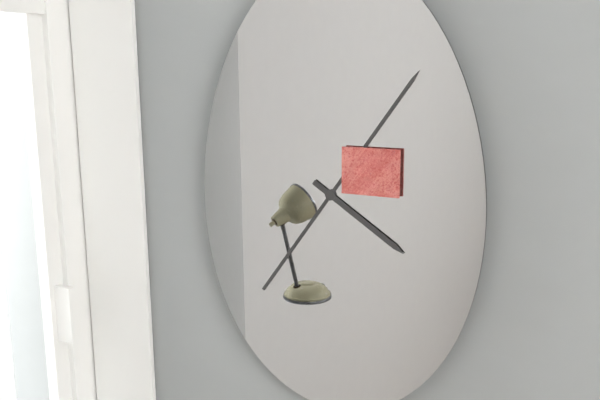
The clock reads {"hour": 4, "minute": 6}
